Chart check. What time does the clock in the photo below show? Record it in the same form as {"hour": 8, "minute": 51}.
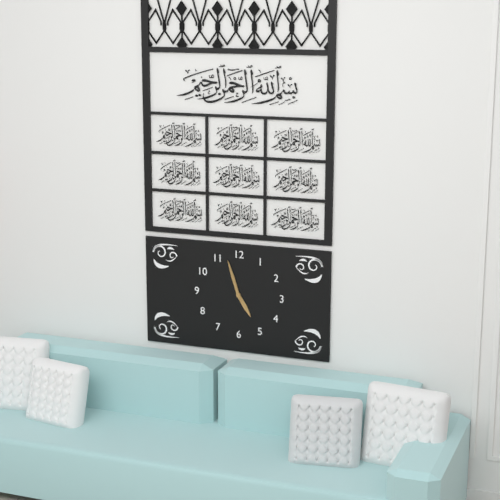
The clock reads {"hour": 4, "minute": 57}
